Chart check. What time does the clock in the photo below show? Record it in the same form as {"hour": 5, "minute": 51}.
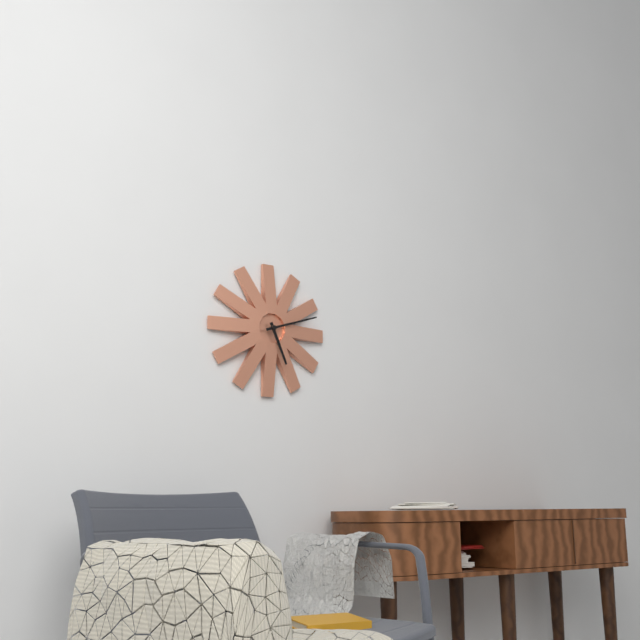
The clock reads {"hour": 5, "minute": 12}
